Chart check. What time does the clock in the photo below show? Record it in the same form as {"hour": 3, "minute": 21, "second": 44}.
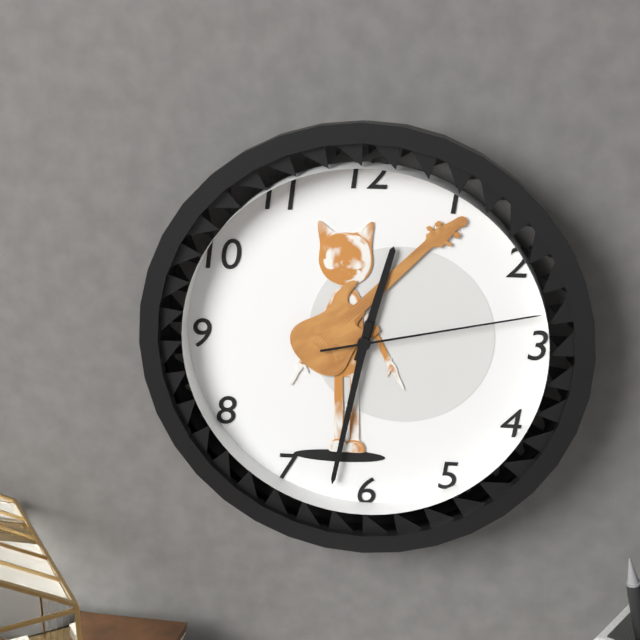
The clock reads {"hour": 12, "minute": 32, "second": 13}
